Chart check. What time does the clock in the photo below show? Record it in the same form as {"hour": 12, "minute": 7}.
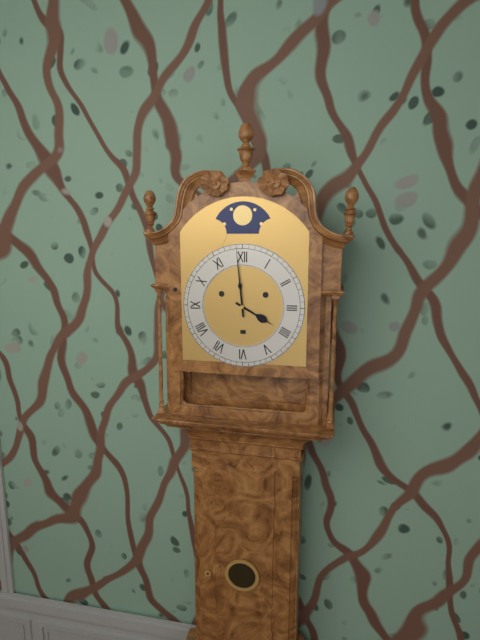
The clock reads {"hour": 3, "minute": 59}
